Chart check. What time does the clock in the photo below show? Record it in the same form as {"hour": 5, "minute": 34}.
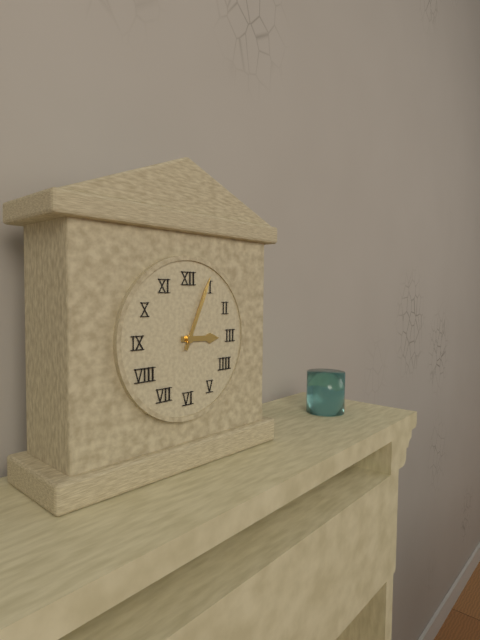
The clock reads {"hour": 3, "minute": 4}
